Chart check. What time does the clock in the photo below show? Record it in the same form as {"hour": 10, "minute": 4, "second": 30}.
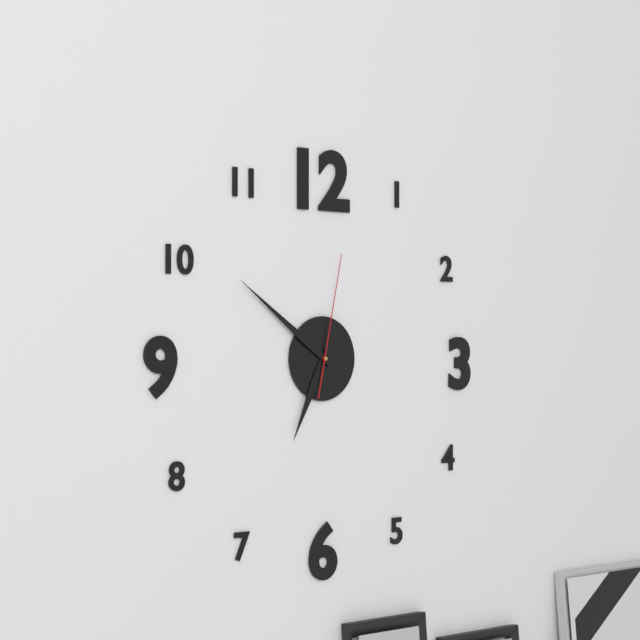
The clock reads {"hour": 6, "minute": 51, "second": 2}
